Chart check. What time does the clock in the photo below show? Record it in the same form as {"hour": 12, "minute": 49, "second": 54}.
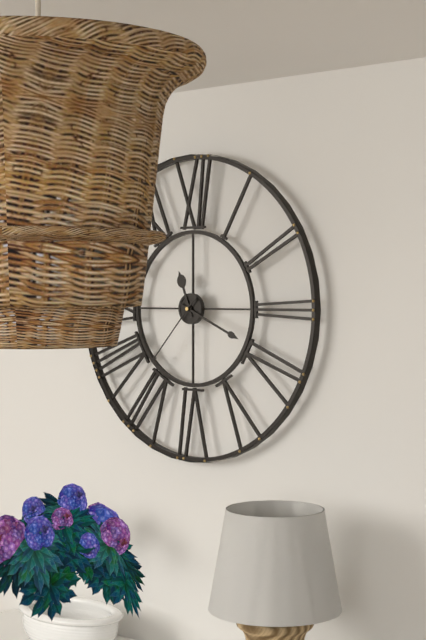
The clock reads {"hour": 11, "minute": 19, "second": 37}
